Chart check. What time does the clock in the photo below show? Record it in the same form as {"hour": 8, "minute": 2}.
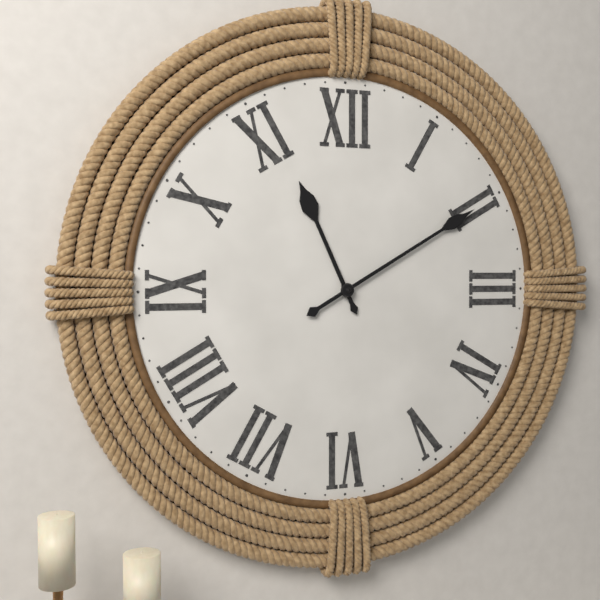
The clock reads {"hour": 11, "minute": 10}
